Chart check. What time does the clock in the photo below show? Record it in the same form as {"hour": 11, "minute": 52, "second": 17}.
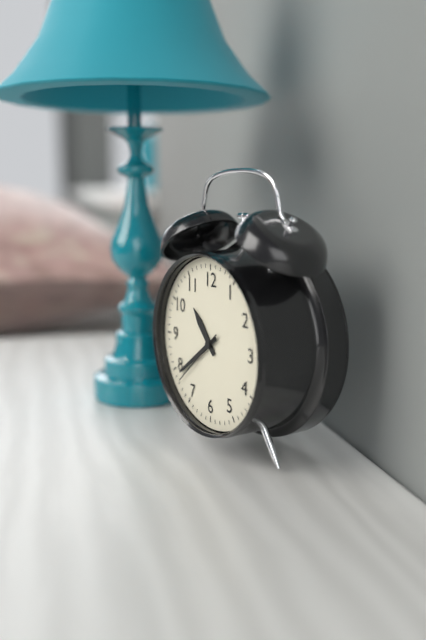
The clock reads {"hour": 10, "minute": 39, "second": 38}
